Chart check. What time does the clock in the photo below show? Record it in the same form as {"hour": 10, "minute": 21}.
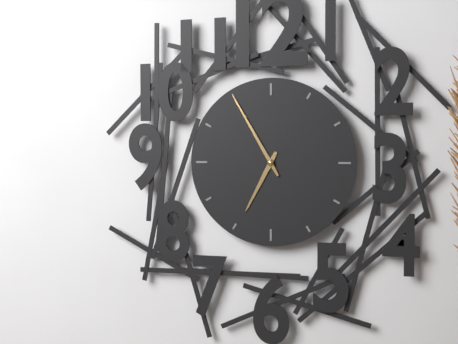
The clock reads {"hour": 6, "minute": 55}
